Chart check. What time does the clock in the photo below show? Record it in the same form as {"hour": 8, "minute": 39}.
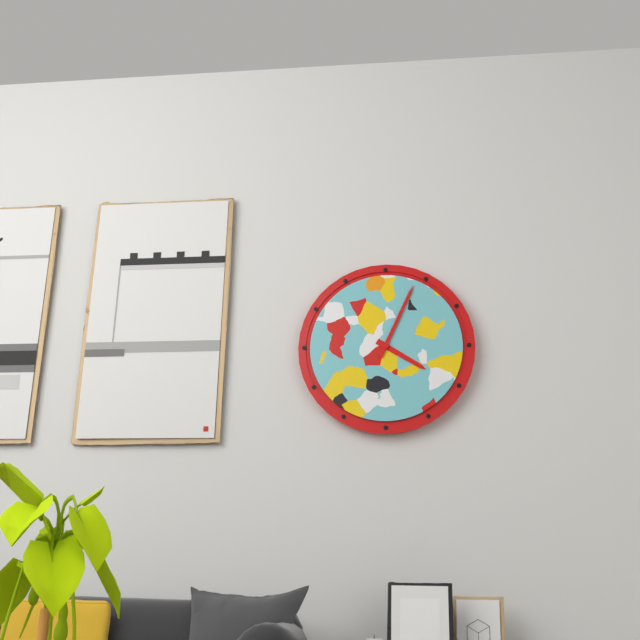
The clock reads {"hour": 4, "minute": 4}
